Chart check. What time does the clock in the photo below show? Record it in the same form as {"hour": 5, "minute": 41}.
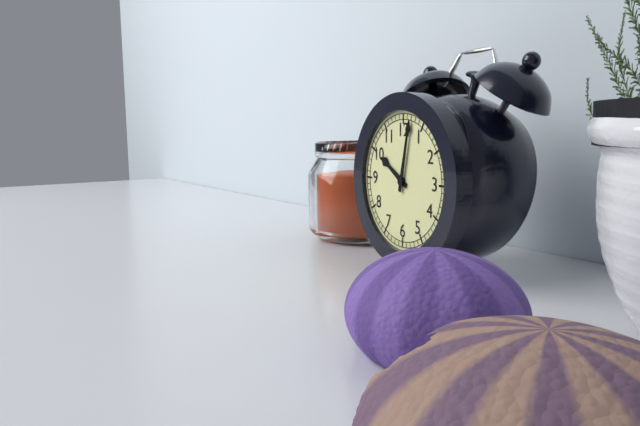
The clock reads {"hour": 10, "minute": 2}
